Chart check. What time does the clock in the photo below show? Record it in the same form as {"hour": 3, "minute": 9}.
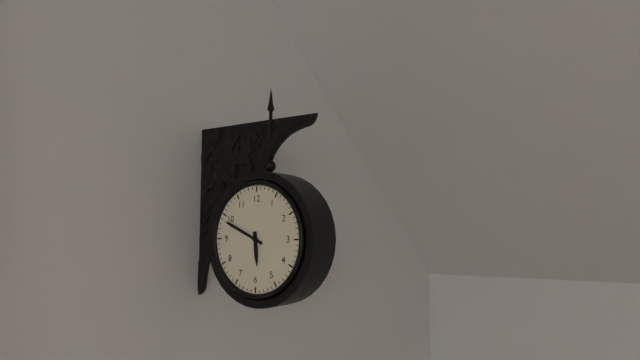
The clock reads {"hour": 5, "minute": 49}
